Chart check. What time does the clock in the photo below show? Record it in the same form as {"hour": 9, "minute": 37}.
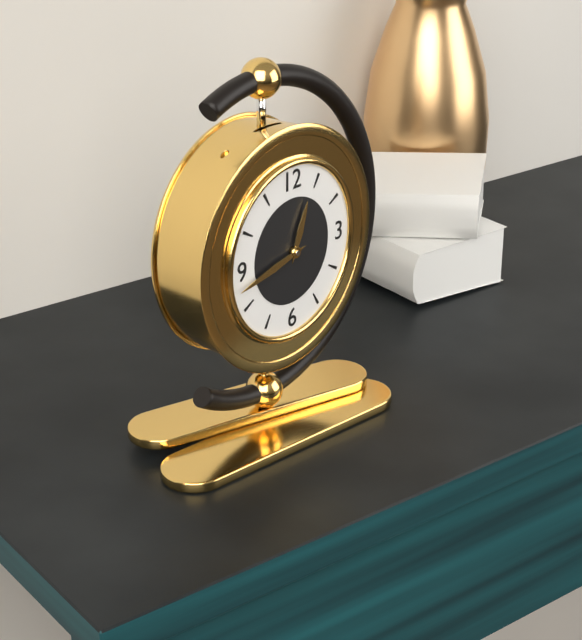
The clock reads {"hour": 12, "minute": 43}
